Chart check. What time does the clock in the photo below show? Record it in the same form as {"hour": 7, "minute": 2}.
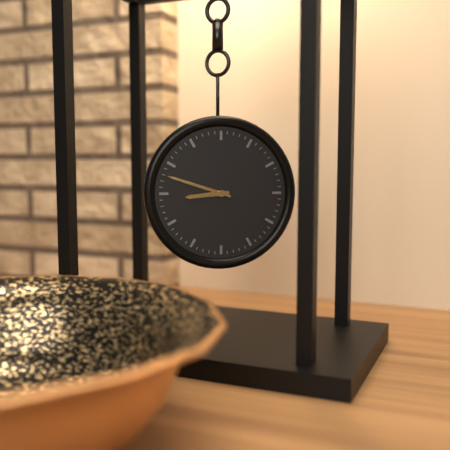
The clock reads {"hour": 8, "minute": 48}
